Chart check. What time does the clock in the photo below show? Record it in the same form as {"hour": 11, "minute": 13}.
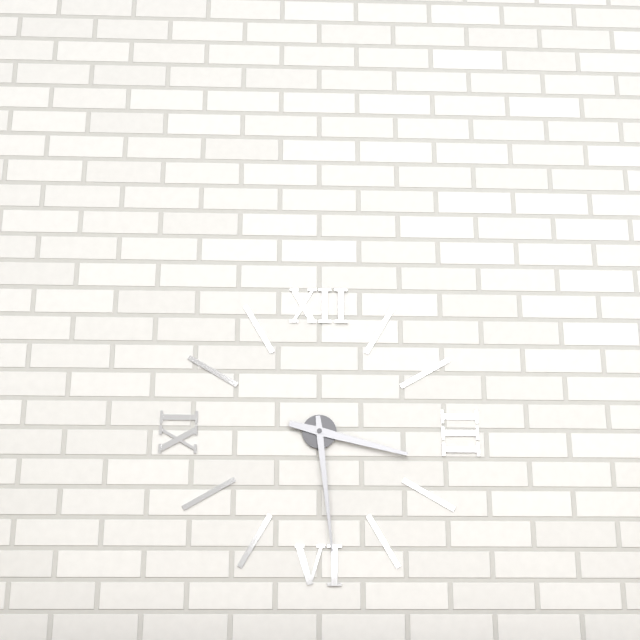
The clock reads {"hour": 3, "minute": 29}
